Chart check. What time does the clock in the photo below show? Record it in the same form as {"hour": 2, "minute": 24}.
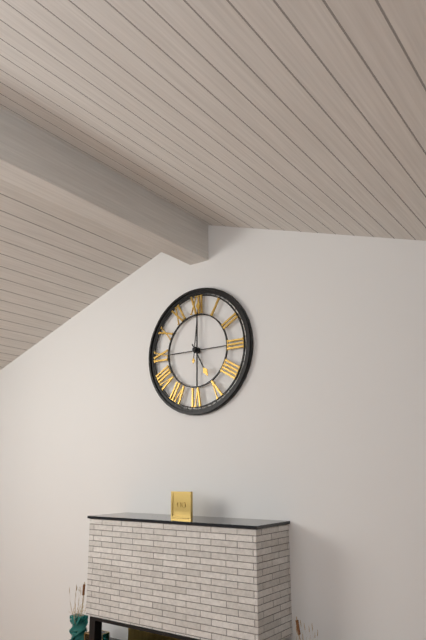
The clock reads {"hour": 5, "minute": 1}
